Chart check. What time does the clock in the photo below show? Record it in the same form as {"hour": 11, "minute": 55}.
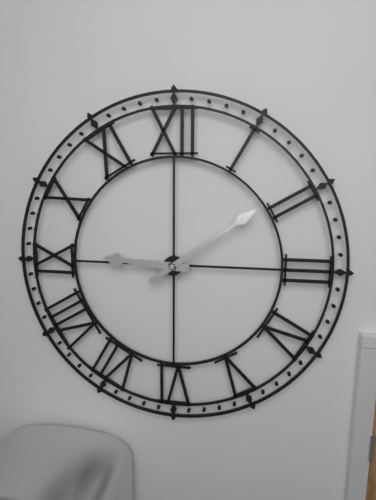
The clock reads {"hour": 9, "minute": 9}
